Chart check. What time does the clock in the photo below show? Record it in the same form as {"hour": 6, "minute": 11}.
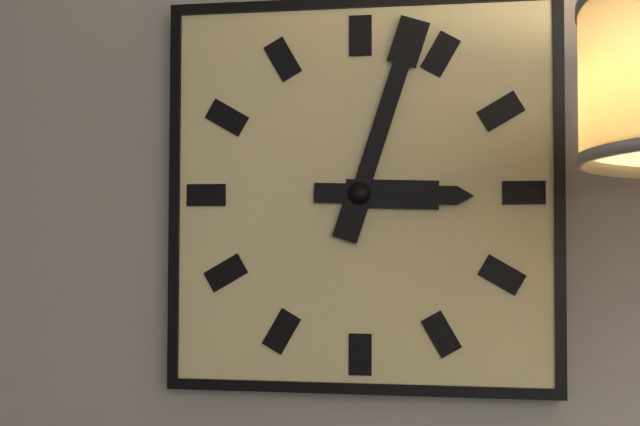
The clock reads {"hour": 3, "minute": 3}
